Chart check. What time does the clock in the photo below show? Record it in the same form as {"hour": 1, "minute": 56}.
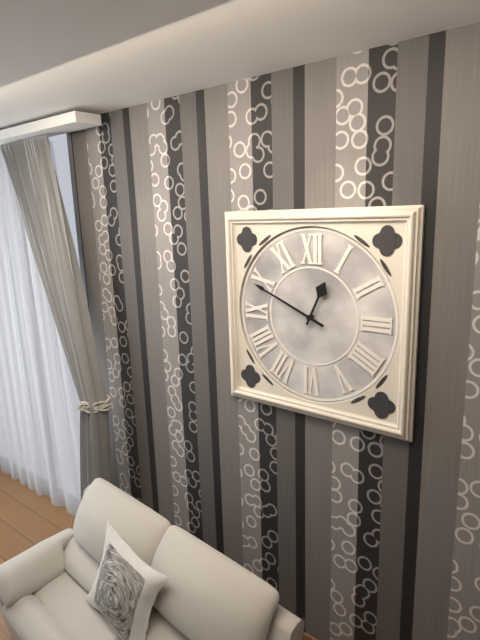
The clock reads {"hour": 12, "minute": 49}
